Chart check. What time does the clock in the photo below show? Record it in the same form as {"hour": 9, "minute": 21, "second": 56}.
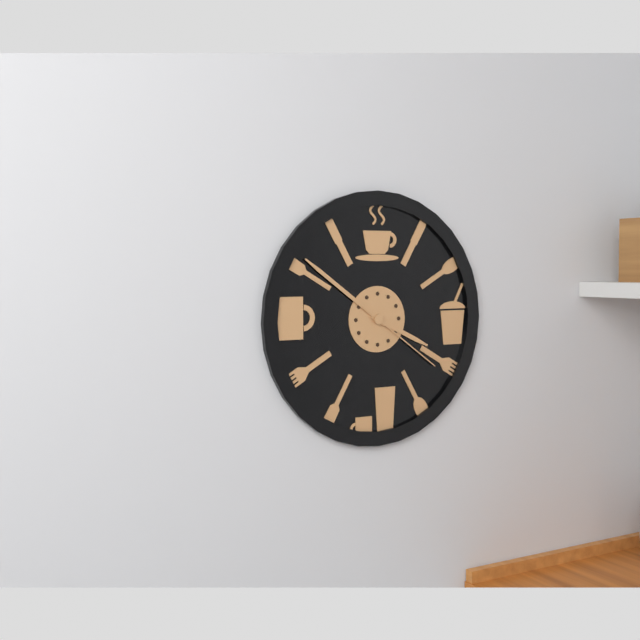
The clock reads {"hour": 3, "minute": 51, "second": 21}
